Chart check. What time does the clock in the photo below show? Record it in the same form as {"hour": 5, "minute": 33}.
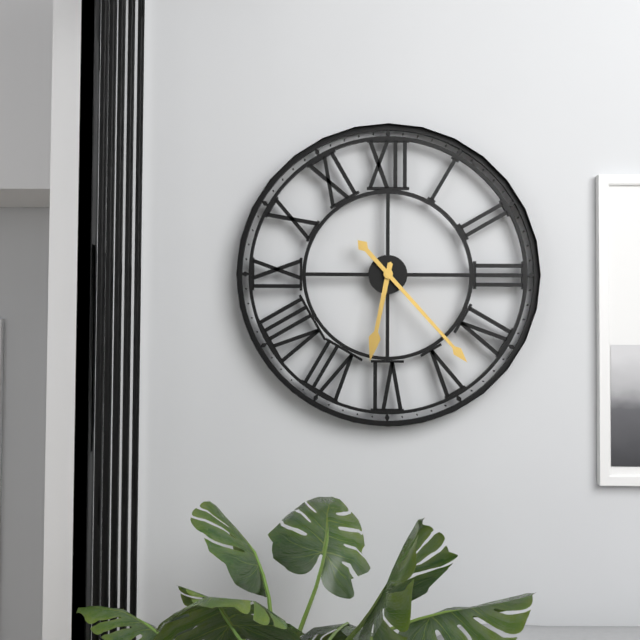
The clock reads {"hour": 6, "minute": 23}
